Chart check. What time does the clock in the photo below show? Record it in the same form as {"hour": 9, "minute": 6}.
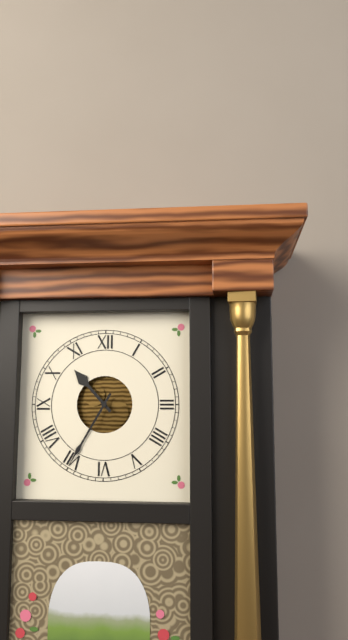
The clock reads {"hour": 10, "minute": 35}
